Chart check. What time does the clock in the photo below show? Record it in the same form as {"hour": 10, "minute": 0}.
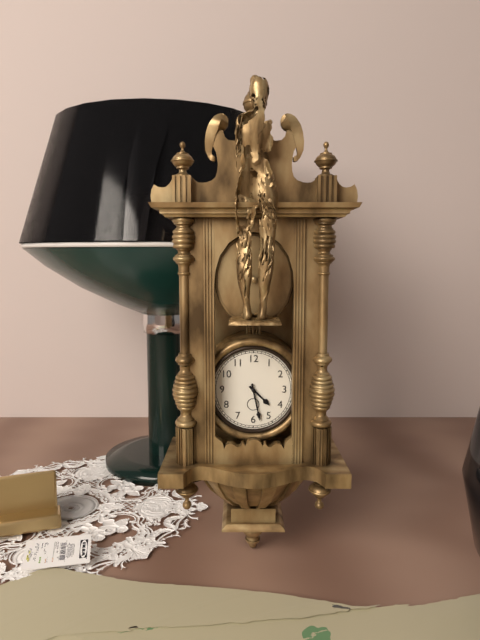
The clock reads {"hour": 4, "minute": 28}
